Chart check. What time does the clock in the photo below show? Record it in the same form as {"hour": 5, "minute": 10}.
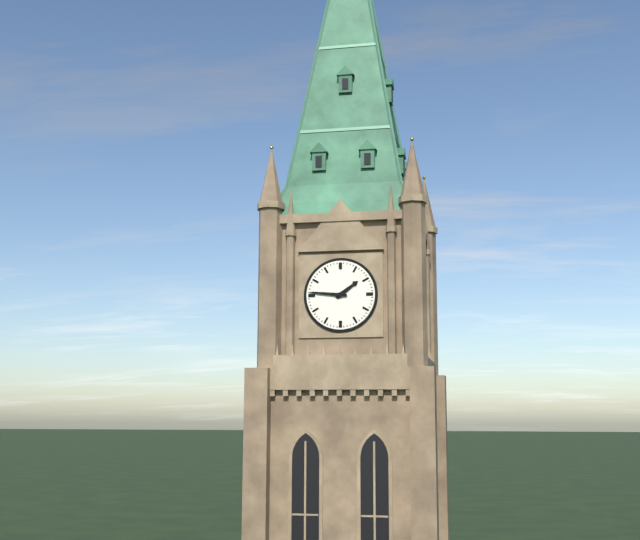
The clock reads {"hour": 1, "minute": 46}
